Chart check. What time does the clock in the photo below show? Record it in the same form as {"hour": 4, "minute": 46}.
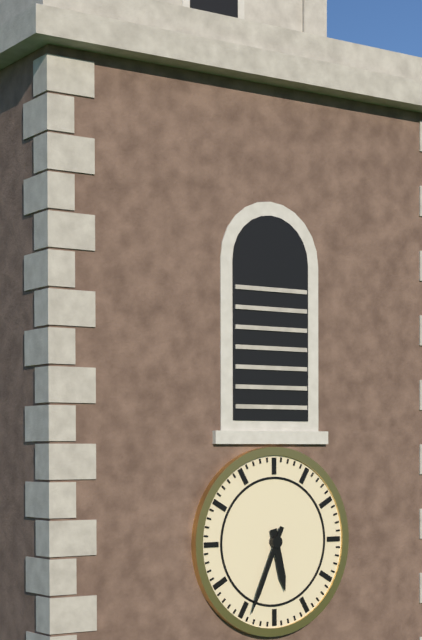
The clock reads {"hour": 5, "minute": 34}
